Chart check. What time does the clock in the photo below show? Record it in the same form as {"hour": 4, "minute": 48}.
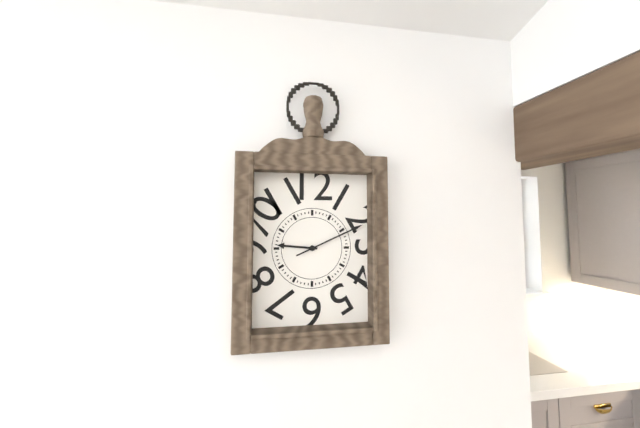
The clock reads {"hour": 9, "minute": 11}
